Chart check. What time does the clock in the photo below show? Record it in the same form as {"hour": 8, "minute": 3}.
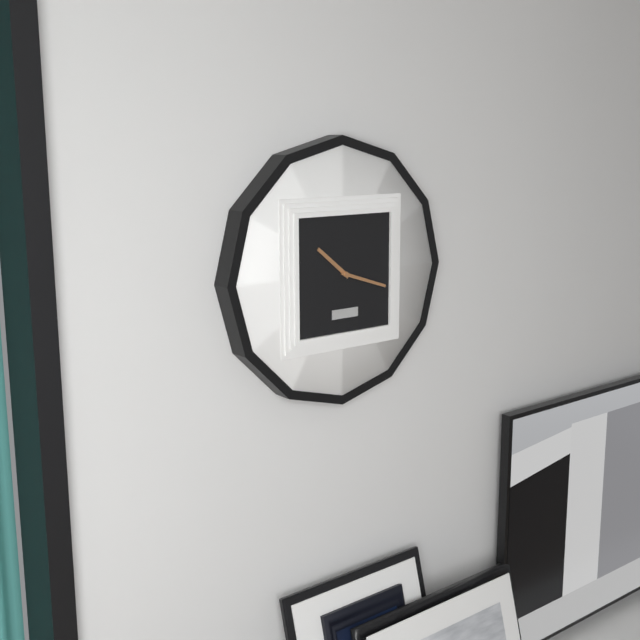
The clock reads {"hour": 10, "minute": 18}
